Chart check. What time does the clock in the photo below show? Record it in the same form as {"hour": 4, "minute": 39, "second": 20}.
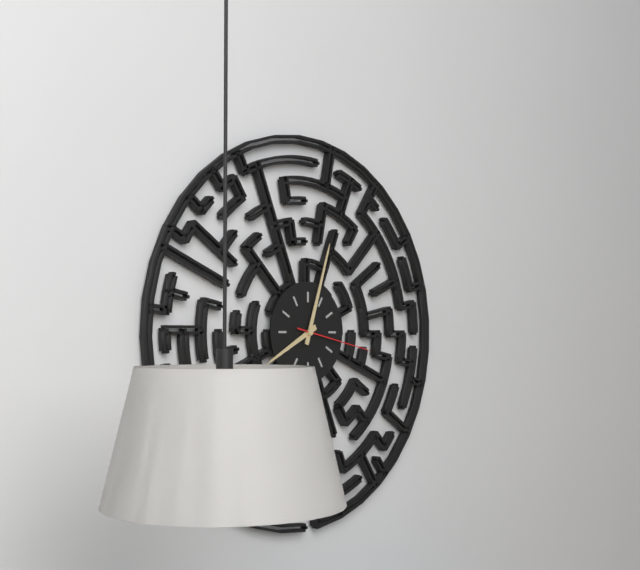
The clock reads {"hour": 8, "minute": 3, "second": 17}
